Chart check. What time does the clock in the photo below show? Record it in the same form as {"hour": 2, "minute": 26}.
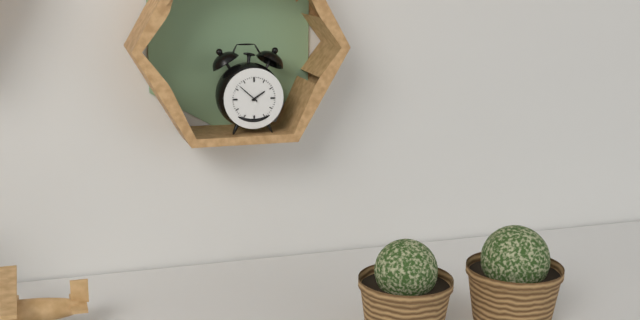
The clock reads {"hour": 1, "minute": 52}
